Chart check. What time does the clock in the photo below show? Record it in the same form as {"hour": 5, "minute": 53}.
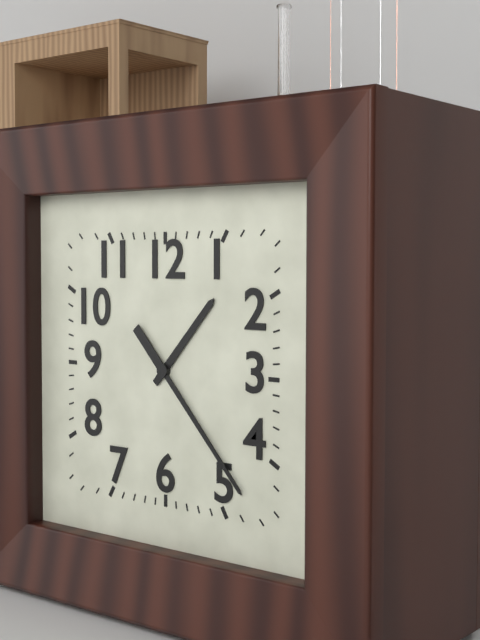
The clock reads {"hour": 1, "minute": 23}
